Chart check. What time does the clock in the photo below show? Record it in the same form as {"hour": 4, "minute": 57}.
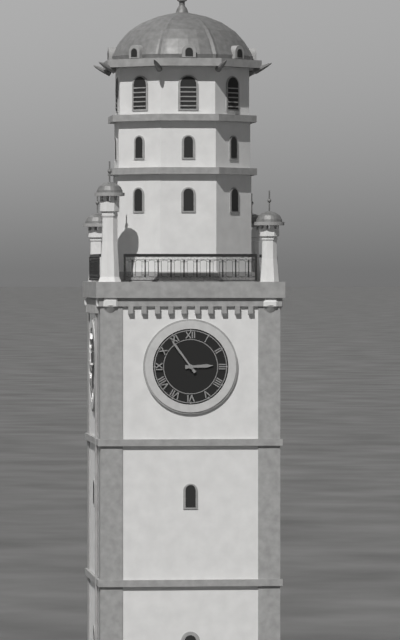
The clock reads {"hour": 2, "minute": 54}
